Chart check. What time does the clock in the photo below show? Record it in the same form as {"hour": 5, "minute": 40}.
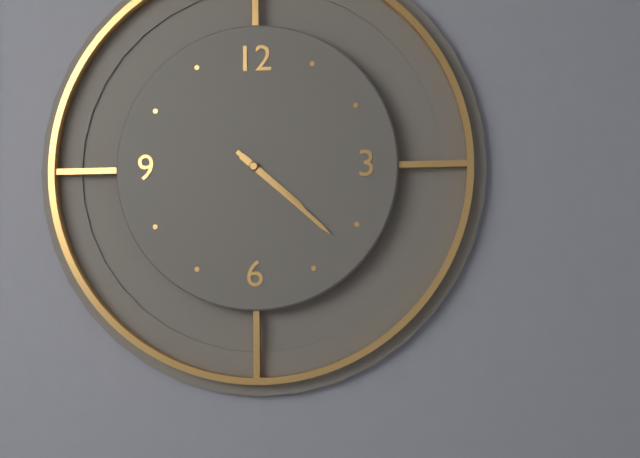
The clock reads {"hour": 4, "minute": 22}
